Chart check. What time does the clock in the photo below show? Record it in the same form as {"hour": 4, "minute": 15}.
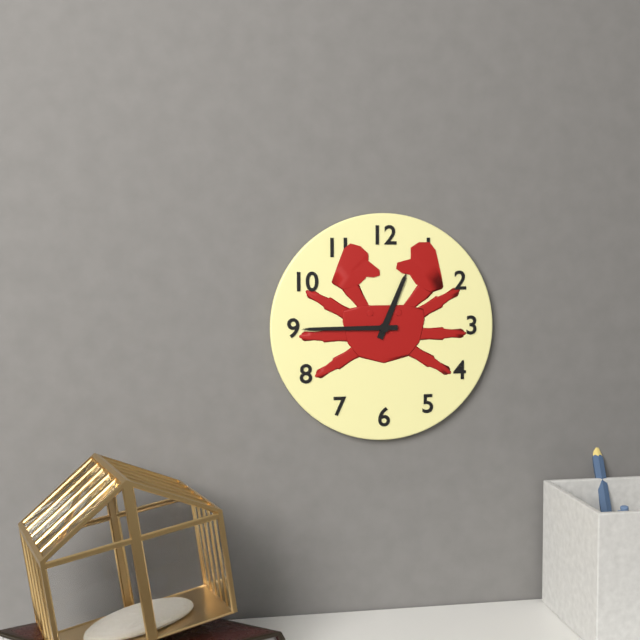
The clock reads {"hour": 12, "minute": 45}
